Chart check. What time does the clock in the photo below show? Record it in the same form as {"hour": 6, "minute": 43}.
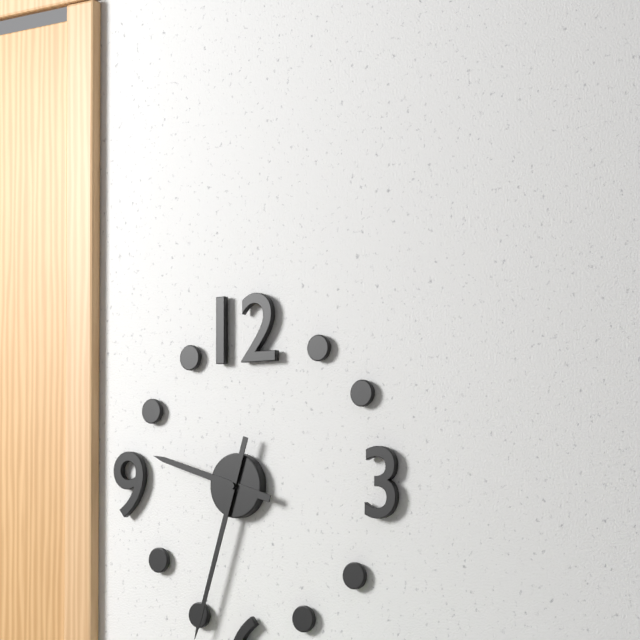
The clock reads {"hour": 9, "minute": 33}
